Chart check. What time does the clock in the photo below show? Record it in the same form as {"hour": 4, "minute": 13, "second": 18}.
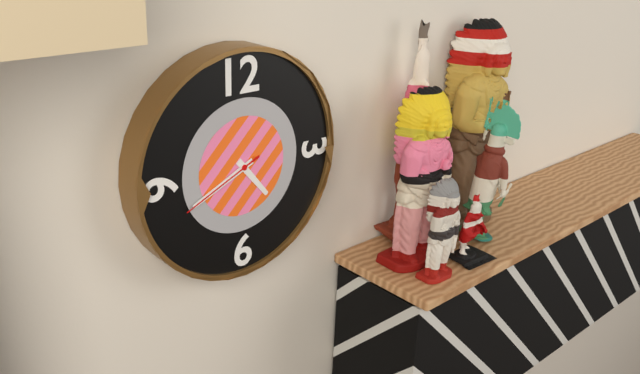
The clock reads {"hour": 4, "minute": 41, "second": 41}
